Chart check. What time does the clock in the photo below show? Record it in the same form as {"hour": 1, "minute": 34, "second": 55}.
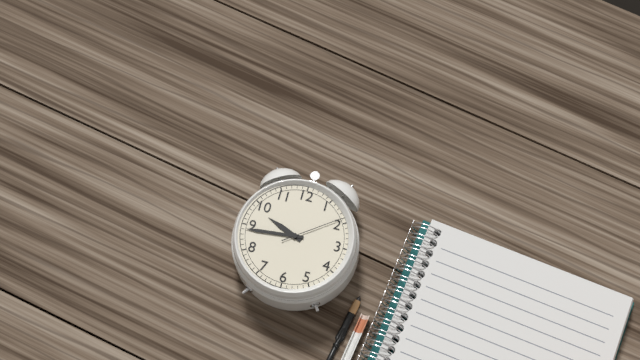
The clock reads {"hour": 9, "minute": 44, "second": 9}
